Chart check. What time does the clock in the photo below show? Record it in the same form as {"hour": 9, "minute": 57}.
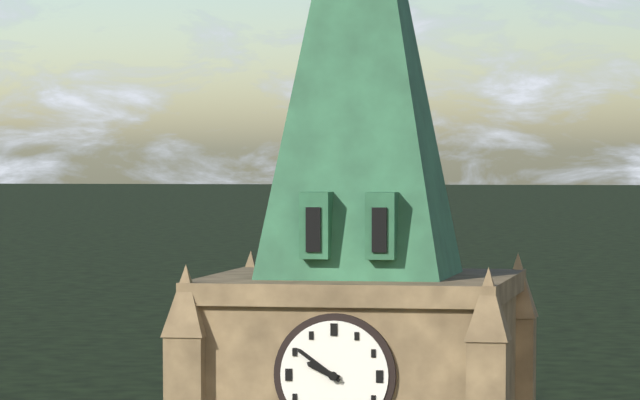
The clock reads {"hour": 9, "minute": 51}
